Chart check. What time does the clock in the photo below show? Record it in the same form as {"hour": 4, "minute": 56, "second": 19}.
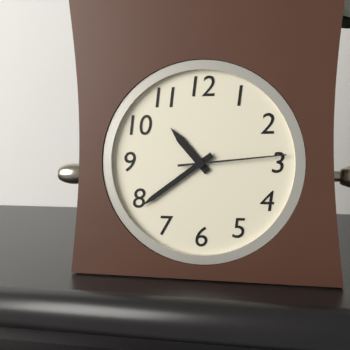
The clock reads {"hour": 10, "minute": 39, "second": 14}
